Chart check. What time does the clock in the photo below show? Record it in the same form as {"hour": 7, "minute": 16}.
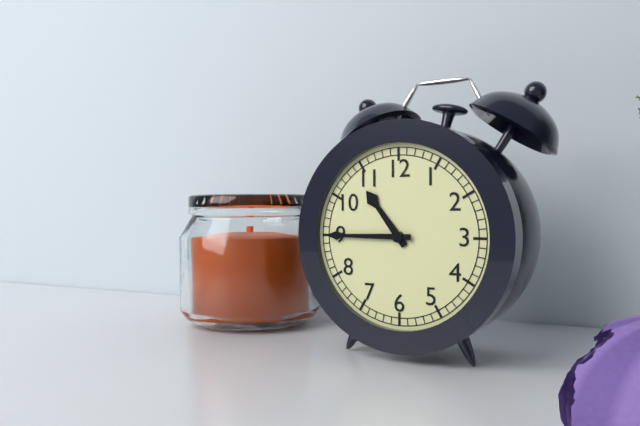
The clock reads {"hour": 10, "minute": 45}
